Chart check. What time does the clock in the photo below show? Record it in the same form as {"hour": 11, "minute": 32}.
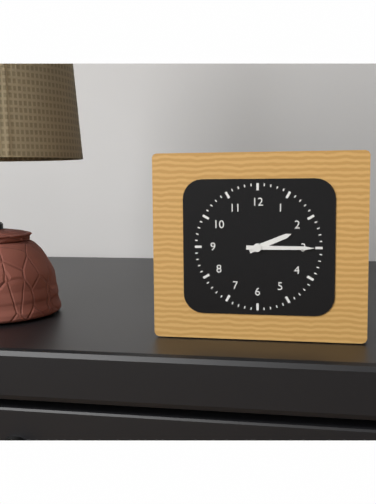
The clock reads {"hour": 2, "minute": 15}
